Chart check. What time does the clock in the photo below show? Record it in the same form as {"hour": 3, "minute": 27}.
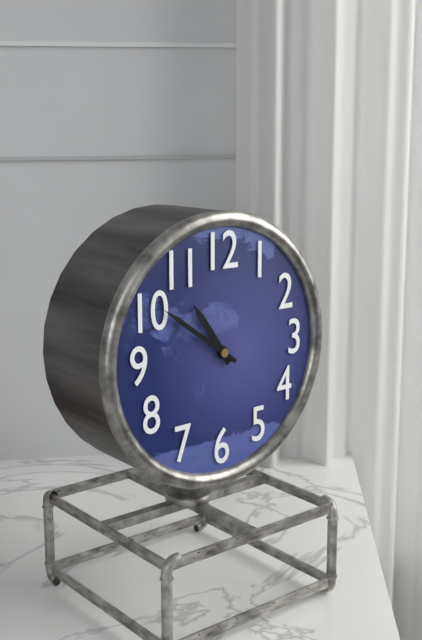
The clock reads {"hour": 10, "minute": 51}
